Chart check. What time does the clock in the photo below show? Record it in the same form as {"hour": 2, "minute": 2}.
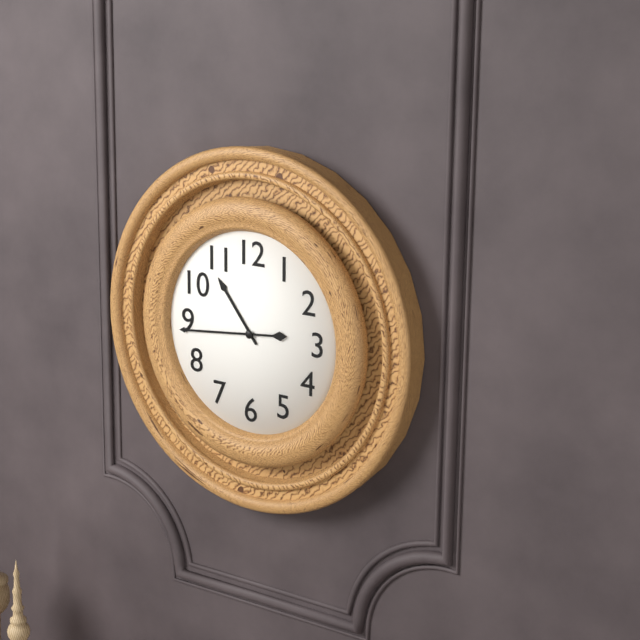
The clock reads {"hour": 10, "minute": 44}
